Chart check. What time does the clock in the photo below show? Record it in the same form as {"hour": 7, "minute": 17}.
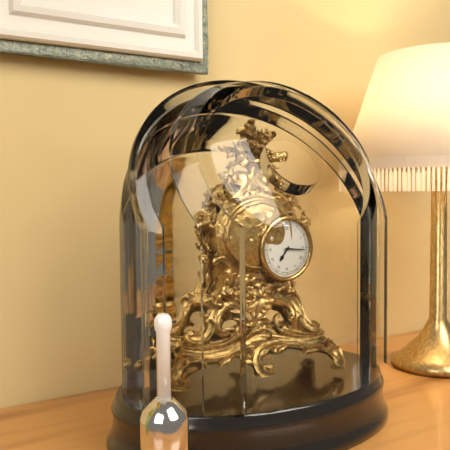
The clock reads {"hour": 7, "minute": 16}
